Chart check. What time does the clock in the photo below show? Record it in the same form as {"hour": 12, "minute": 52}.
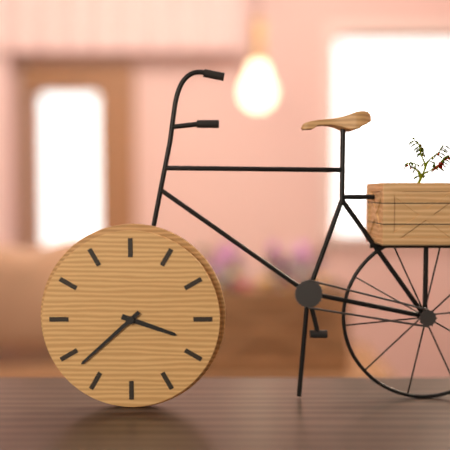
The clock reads {"hour": 3, "minute": 38}
